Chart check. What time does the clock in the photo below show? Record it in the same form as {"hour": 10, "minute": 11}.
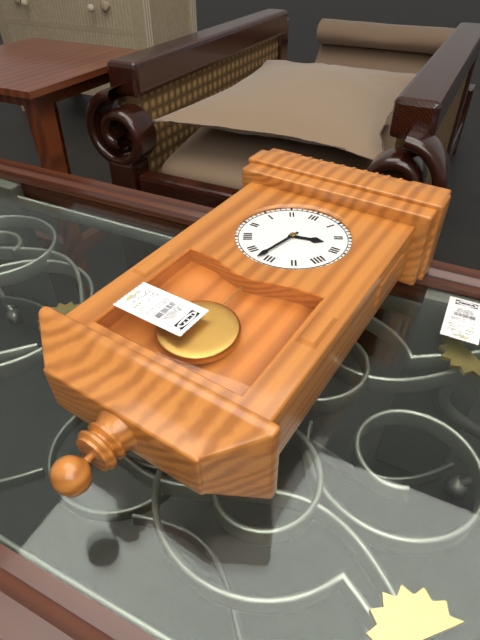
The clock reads {"hour": 2, "minute": 32}
